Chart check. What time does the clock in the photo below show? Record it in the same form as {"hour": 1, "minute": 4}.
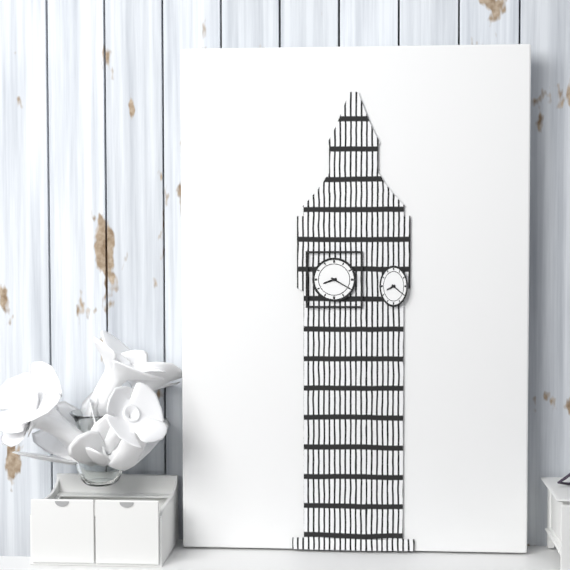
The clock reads {"hour": 8, "minute": 20}
